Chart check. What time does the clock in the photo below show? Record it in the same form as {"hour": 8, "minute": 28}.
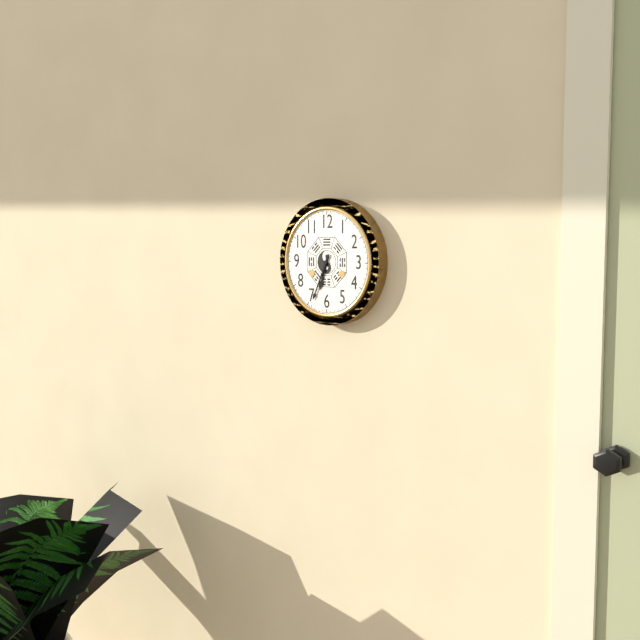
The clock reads {"hour": 6, "minute": 34}
